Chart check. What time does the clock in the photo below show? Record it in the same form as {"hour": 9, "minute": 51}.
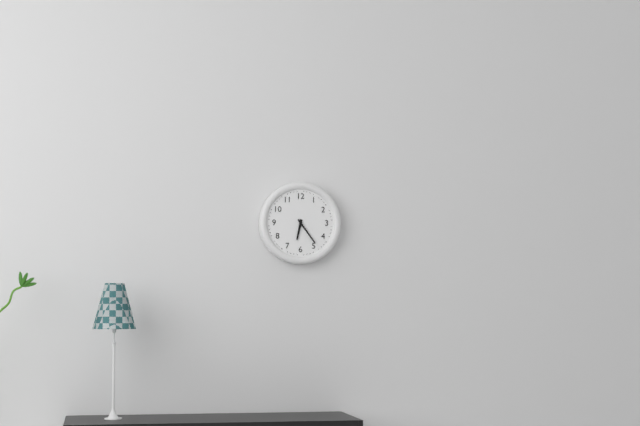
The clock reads {"hour": 6, "minute": 24}
